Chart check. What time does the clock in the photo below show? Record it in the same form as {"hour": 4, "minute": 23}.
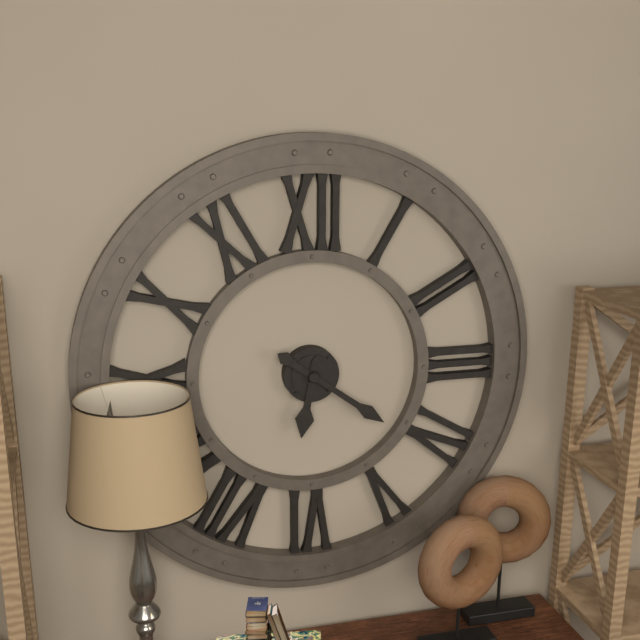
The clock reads {"hour": 6, "minute": 21}
